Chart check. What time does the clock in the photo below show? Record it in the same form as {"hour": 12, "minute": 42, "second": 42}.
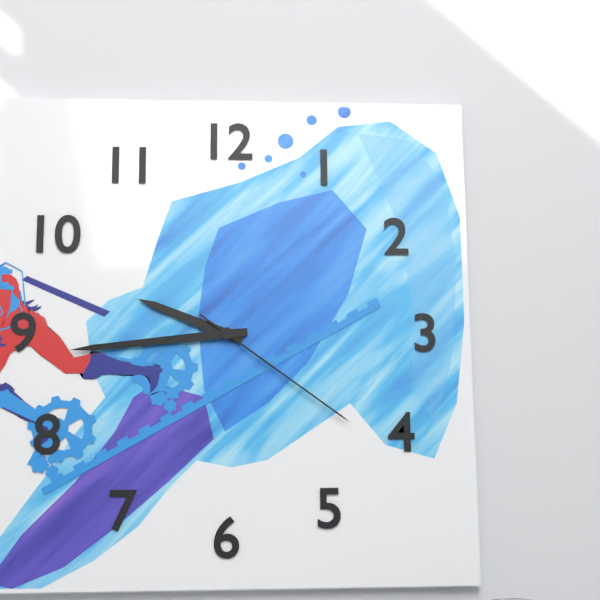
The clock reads {"hour": 9, "minute": 44, "second": 21}
